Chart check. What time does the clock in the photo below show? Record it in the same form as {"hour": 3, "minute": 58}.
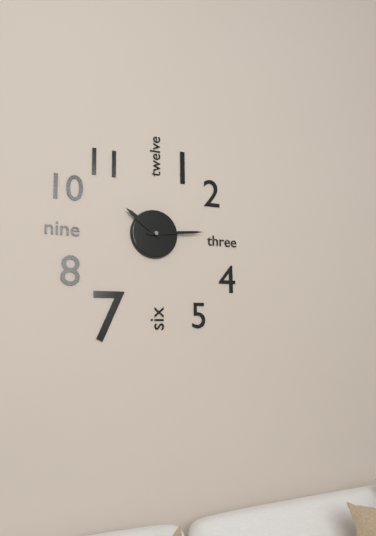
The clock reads {"hour": 10, "minute": 14}
